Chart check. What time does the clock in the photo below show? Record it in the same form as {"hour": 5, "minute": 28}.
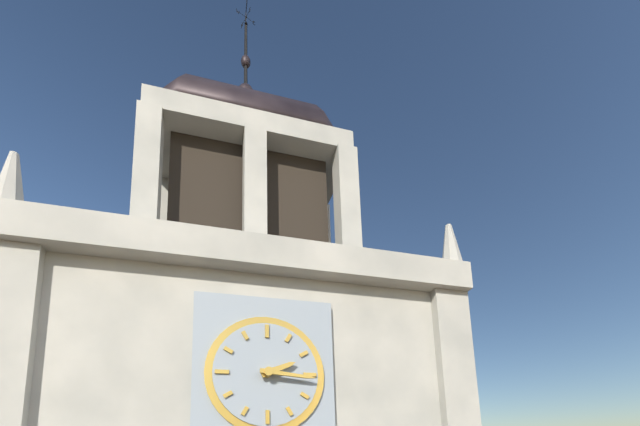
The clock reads {"hour": 2, "minute": 16}
